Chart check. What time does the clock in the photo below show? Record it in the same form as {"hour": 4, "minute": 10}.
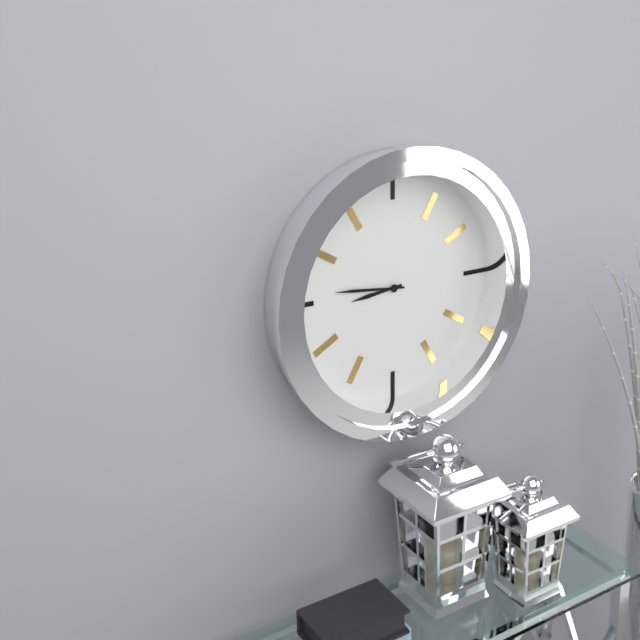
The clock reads {"hour": 8, "minute": 46}
